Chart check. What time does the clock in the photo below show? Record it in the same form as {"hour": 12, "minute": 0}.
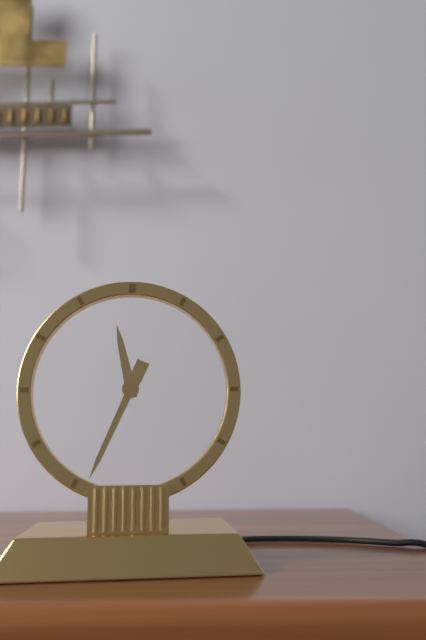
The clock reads {"hour": 11, "minute": 34}
